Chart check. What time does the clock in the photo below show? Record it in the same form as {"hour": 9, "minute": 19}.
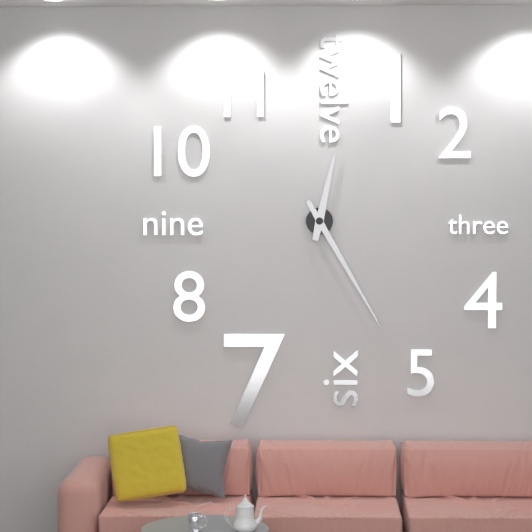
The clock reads {"hour": 12, "minute": 25}
